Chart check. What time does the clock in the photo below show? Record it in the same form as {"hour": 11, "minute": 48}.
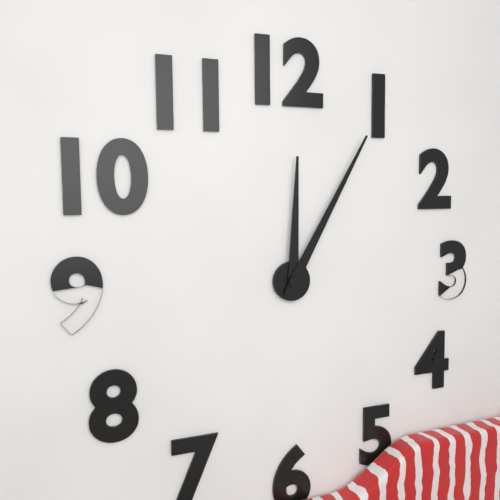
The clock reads {"hour": 12, "minute": 5}
